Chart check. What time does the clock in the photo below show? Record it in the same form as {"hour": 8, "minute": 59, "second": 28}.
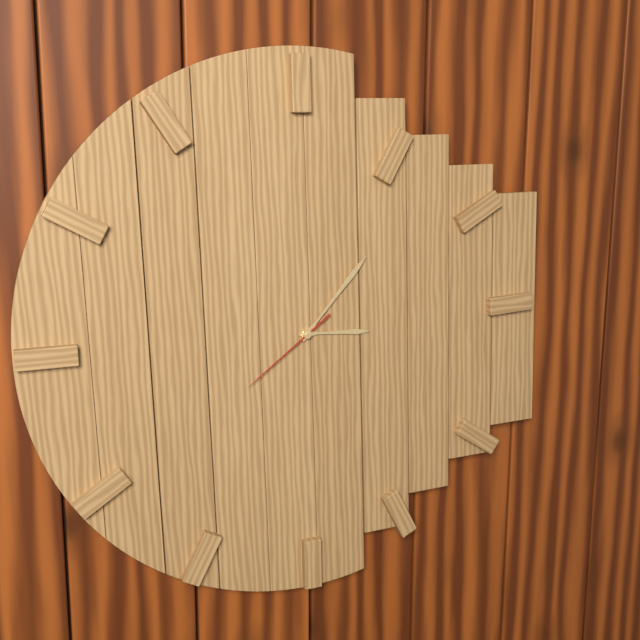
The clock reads {"hour": 3, "minute": 7, "second": 39}
